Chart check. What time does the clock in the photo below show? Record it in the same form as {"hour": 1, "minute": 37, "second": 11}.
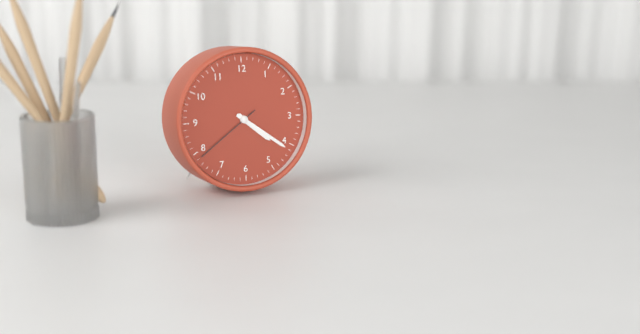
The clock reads {"hour": 4, "minute": 21, "second": 39}
